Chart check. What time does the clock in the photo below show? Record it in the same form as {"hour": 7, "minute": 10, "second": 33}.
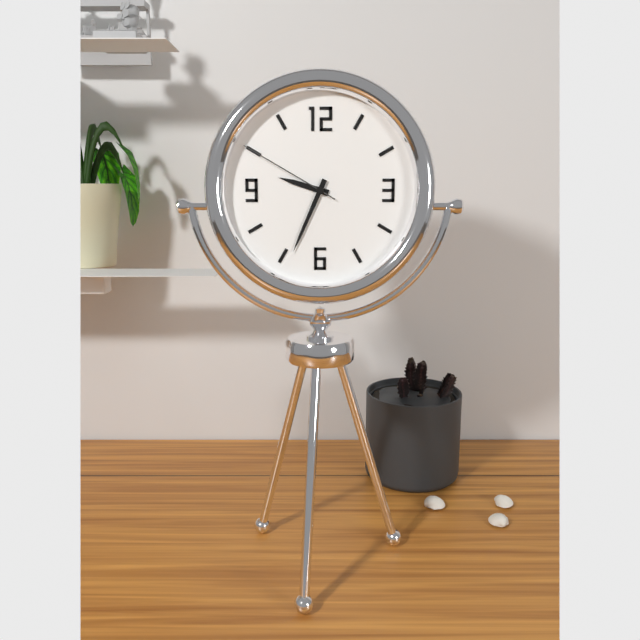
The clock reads {"hour": 9, "minute": 34, "second": 50}
